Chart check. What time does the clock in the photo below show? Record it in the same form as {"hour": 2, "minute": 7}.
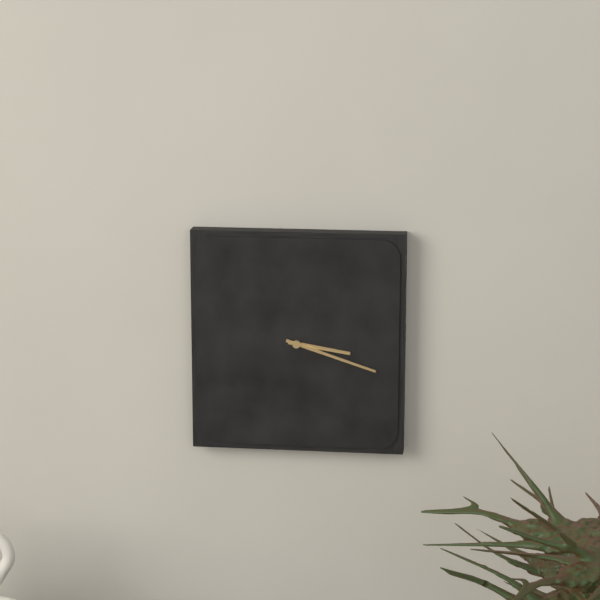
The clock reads {"hour": 3, "minute": 18}
